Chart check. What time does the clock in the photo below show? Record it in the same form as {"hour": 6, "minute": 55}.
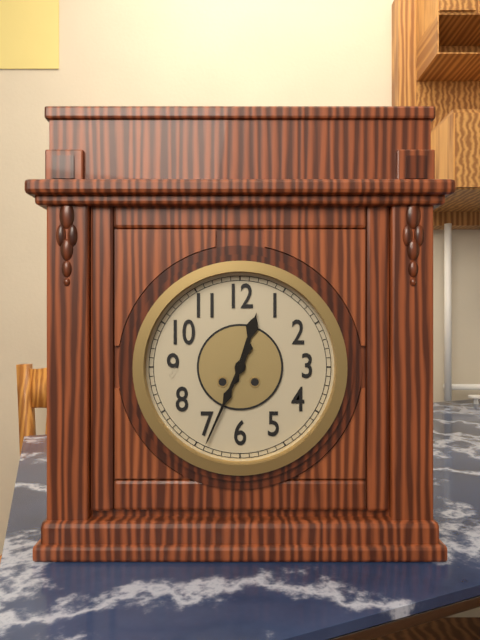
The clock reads {"hour": 12, "minute": 34}
